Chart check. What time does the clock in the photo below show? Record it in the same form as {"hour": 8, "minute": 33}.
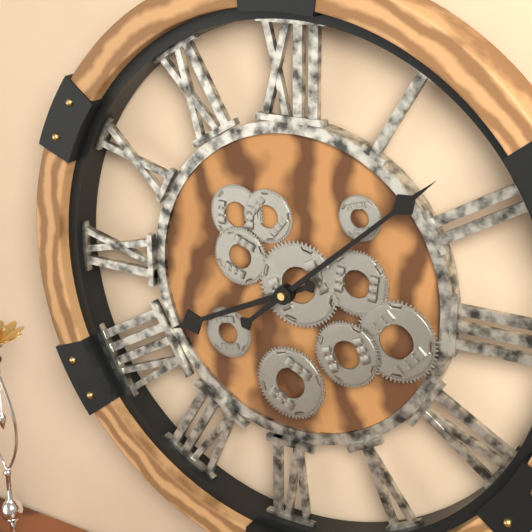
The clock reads {"hour": 8, "minute": 8}
